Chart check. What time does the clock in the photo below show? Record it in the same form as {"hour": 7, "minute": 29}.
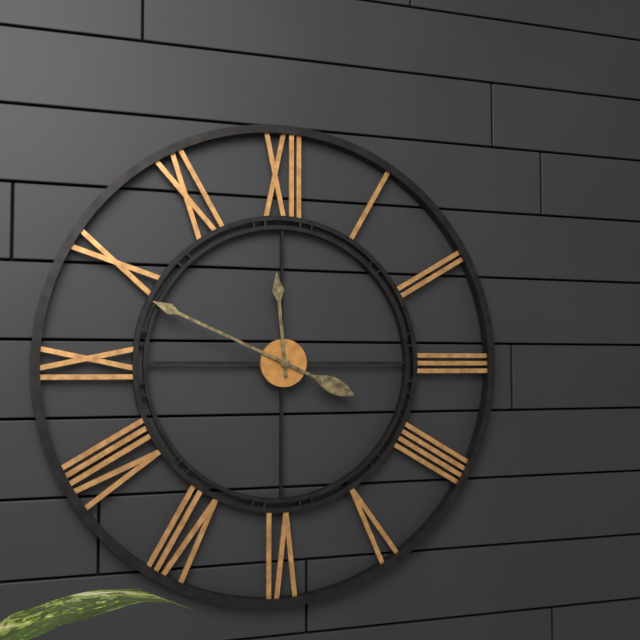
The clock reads {"hour": 11, "minute": 49}
